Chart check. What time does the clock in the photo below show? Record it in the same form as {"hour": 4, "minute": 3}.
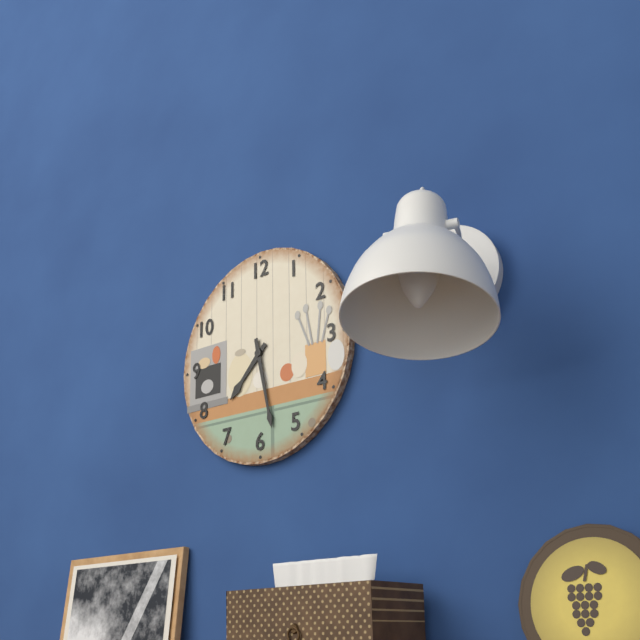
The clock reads {"hour": 7, "minute": 28}
